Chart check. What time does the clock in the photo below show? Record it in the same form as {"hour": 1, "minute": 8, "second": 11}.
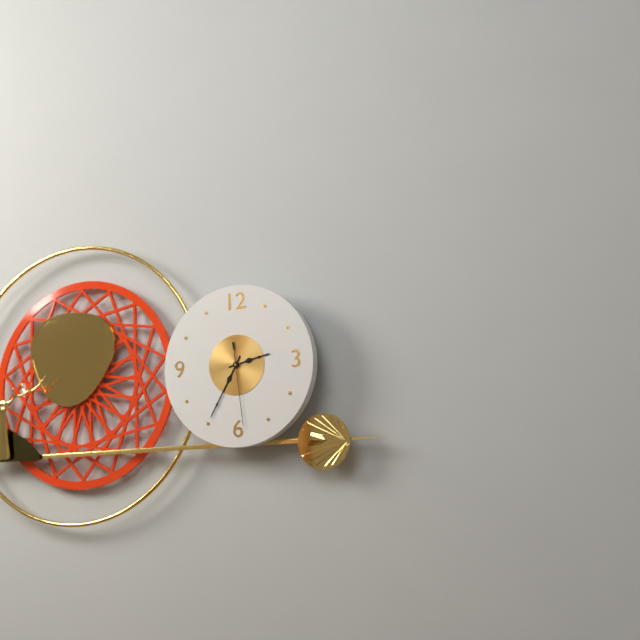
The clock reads {"hour": 2, "minute": 35, "second": 29}
